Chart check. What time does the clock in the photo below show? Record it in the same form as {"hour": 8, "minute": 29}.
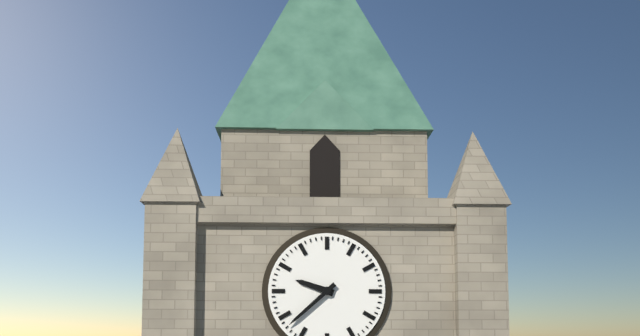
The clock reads {"hour": 9, "minute": 38}
